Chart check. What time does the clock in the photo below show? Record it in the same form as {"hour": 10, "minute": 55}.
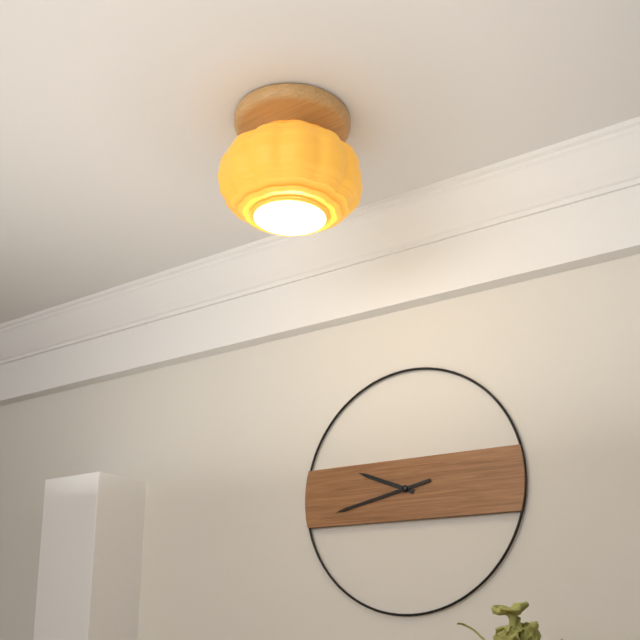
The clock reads {"hour": 9, "minute": 43}
